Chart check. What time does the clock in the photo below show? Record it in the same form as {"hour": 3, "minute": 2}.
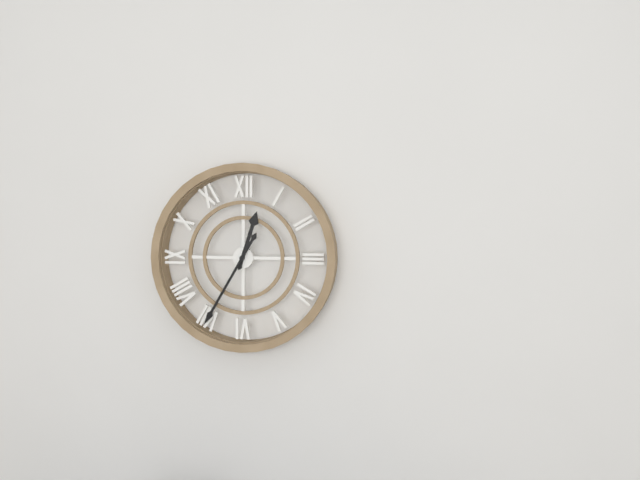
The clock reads {"hour": 12, "minute": 35}
